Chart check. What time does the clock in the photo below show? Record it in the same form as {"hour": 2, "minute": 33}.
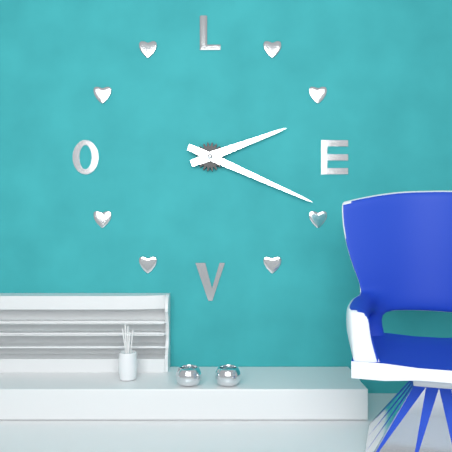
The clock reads {"hour": 2, "minute": 19}
